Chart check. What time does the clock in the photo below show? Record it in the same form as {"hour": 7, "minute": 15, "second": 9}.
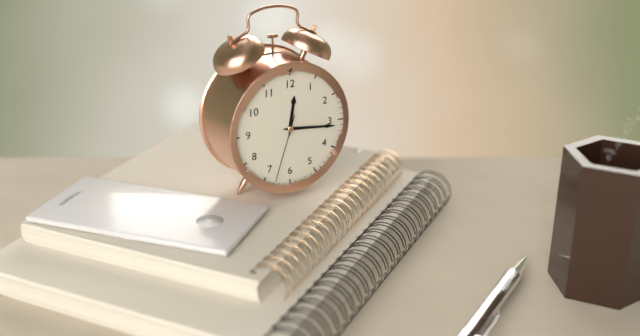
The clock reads {"hour": 12, "minute": 16, "second": 33}
